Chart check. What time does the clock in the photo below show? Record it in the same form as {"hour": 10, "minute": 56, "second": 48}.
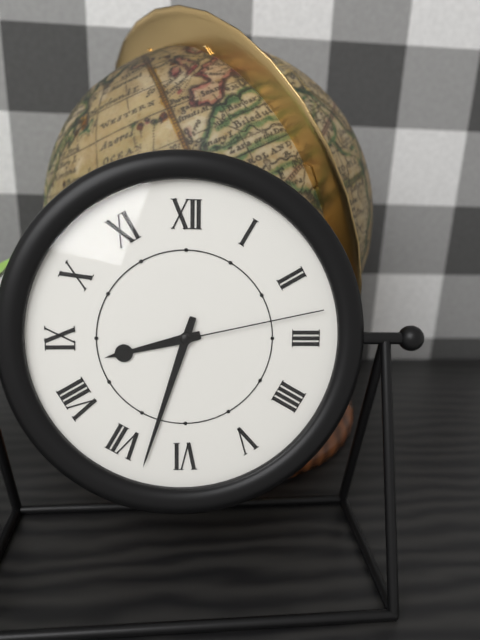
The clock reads {"hour": 8, "minute": 33, "second": 13}
